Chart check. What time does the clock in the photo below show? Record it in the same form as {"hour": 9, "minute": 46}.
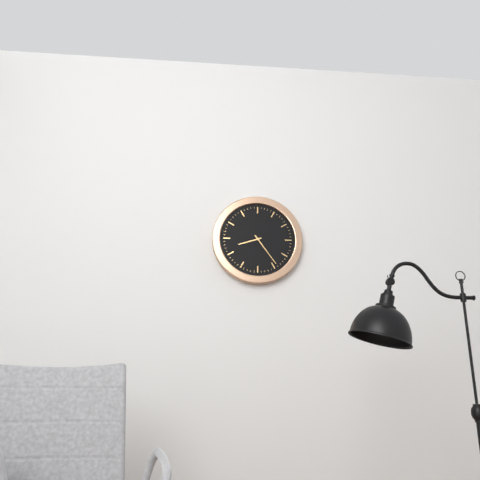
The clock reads {"hour": 8, "minute": 24}
